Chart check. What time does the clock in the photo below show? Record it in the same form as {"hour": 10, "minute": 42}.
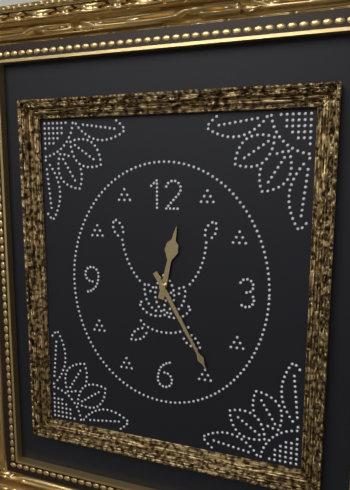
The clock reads {"hour": 12, "minute": 25}
